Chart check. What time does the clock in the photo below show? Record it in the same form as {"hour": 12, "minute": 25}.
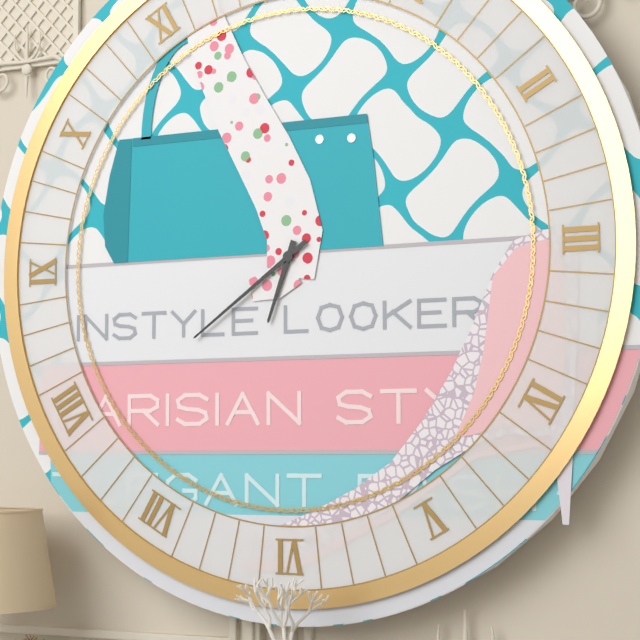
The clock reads {"hour": 6, "minute": 39}
